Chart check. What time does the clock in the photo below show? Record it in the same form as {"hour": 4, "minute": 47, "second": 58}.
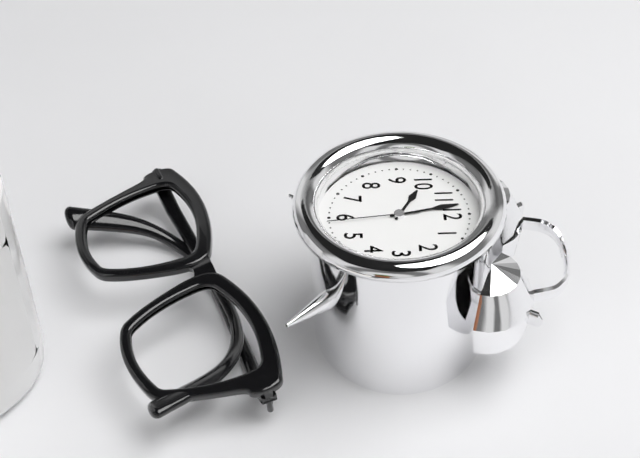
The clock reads {"hour": 9, "minute": 58, "second": 29}
